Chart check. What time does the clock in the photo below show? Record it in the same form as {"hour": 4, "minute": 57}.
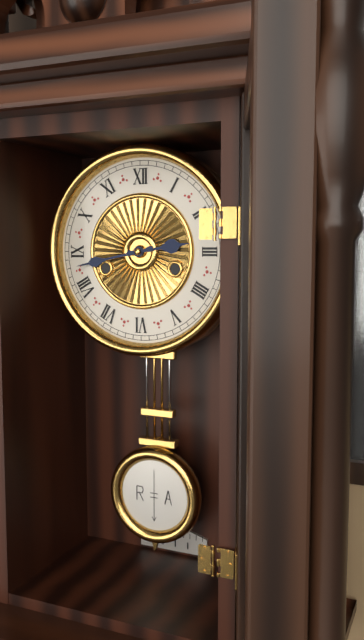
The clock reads {"hour": 2, "minute": 43}
